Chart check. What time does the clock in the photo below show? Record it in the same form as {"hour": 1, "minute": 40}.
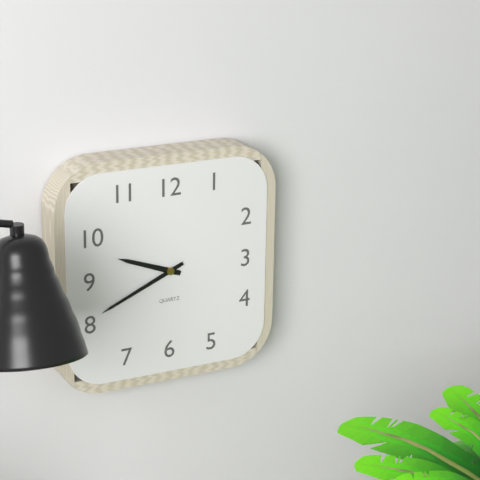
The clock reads {"hour": 9, "minute": 41}
